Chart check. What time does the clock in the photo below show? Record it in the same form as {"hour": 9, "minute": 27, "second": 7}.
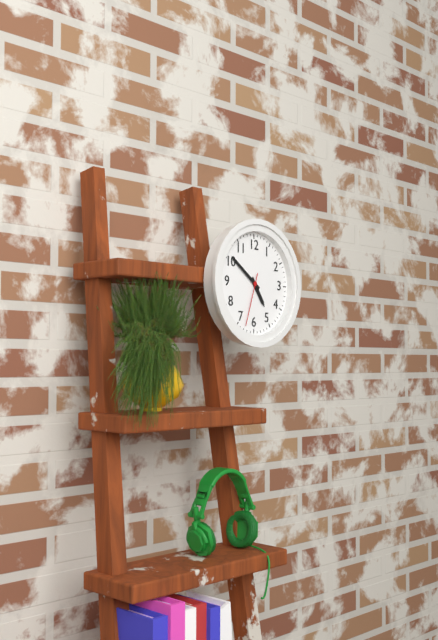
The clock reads {"hour": 4, "minute": 51, "second": 33}
